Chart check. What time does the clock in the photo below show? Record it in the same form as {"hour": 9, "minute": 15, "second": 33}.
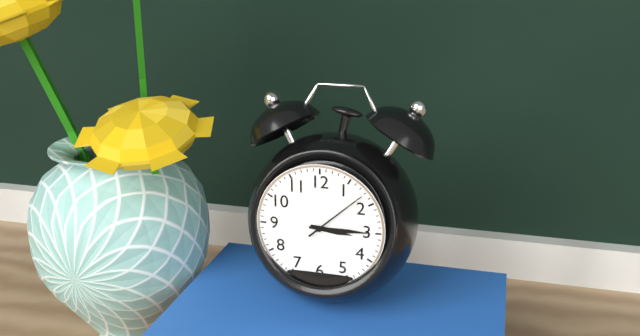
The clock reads {"hour": 3, "minute": 15, "second": 8}
